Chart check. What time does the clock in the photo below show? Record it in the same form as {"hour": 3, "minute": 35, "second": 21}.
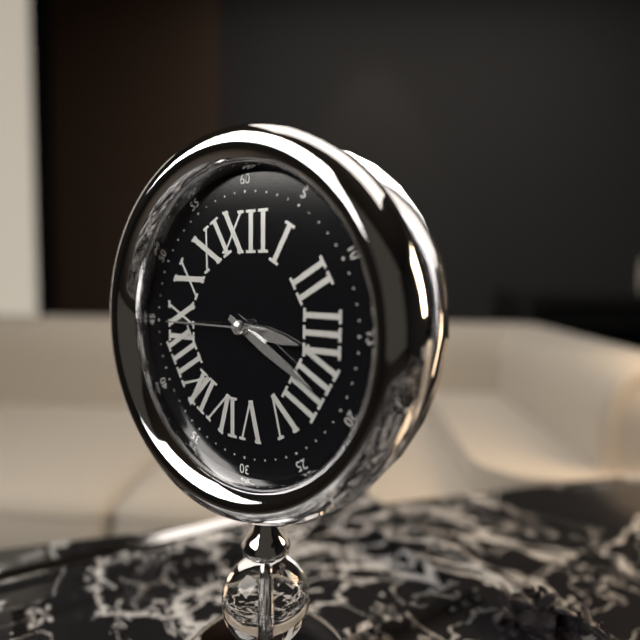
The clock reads {"hour": 3, "minute": 20, "second": 45}
